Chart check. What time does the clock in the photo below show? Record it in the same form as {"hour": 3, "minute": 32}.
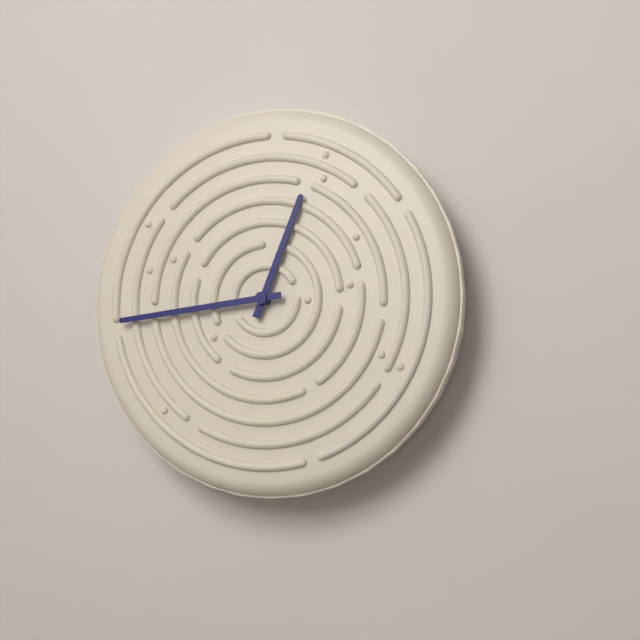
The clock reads {"hour": 12, "minute": 44}
